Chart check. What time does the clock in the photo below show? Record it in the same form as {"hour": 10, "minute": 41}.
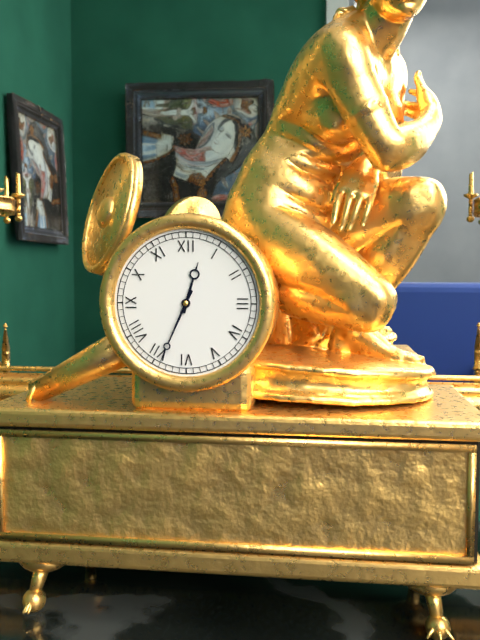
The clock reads {"hour": 12, "minute": 34}
